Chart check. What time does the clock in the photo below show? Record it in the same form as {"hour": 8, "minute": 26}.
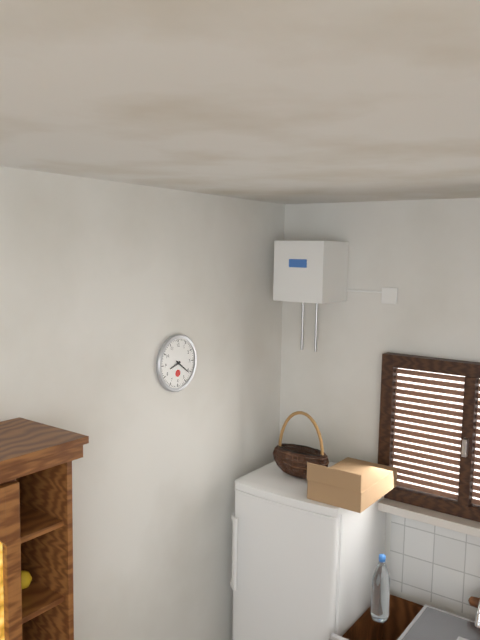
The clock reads {"hour": 8, "minute": 21}
